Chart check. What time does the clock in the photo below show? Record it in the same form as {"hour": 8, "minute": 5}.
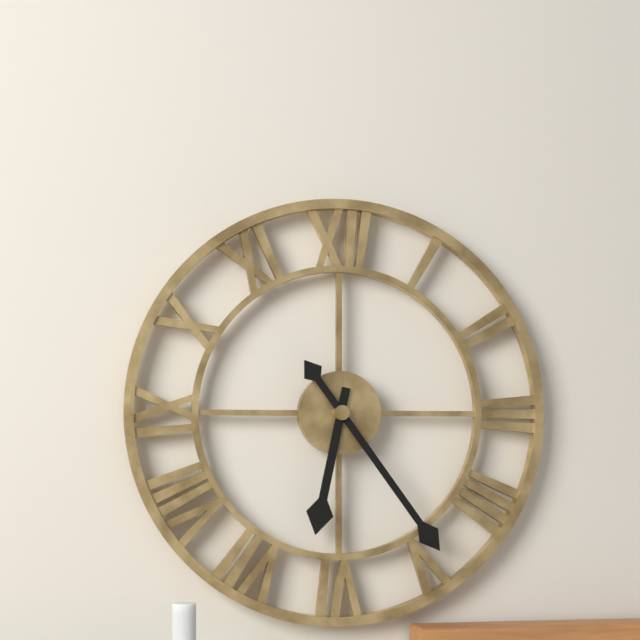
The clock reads {"hour": 6, "minute": 24}
